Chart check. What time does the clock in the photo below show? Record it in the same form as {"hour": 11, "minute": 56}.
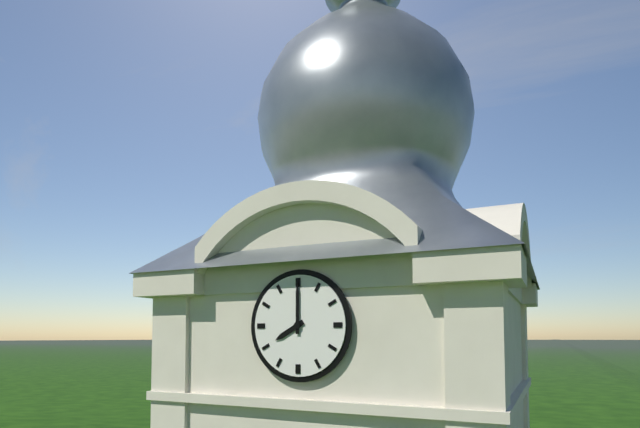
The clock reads {"hour": 8, "minute": 0}
